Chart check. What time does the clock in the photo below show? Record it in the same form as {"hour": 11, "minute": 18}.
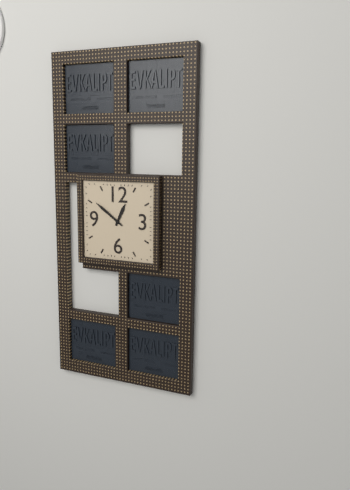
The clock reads {"hour": 12, "minute": 51}
